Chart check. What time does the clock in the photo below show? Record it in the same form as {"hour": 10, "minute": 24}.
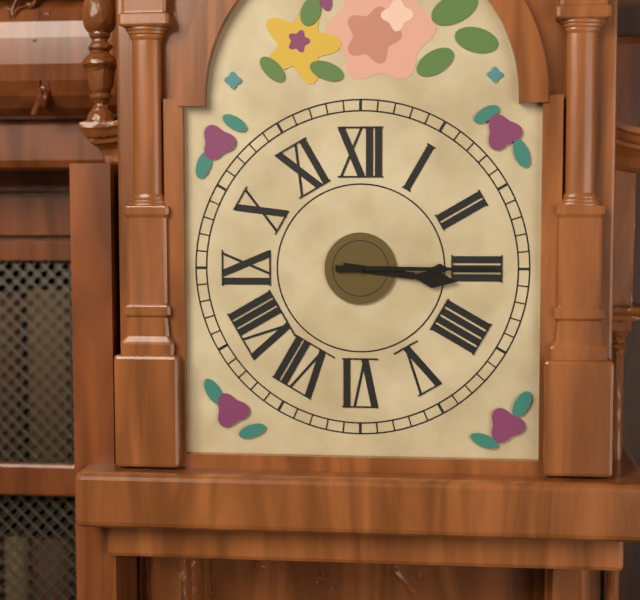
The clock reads {"hour": 3, "minute": 15}
